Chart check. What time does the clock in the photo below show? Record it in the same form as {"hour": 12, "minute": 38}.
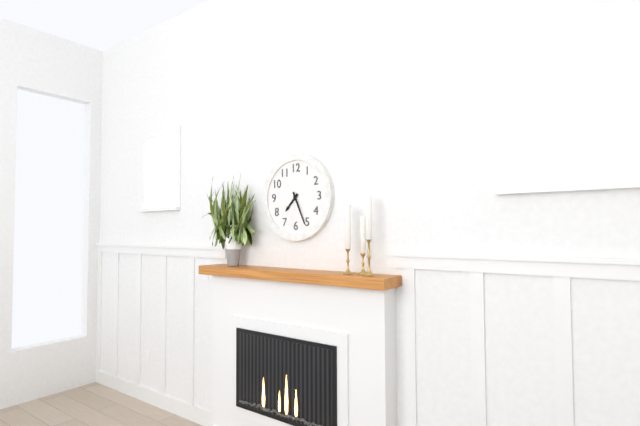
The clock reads {"hour": 7, "minute": 26}
